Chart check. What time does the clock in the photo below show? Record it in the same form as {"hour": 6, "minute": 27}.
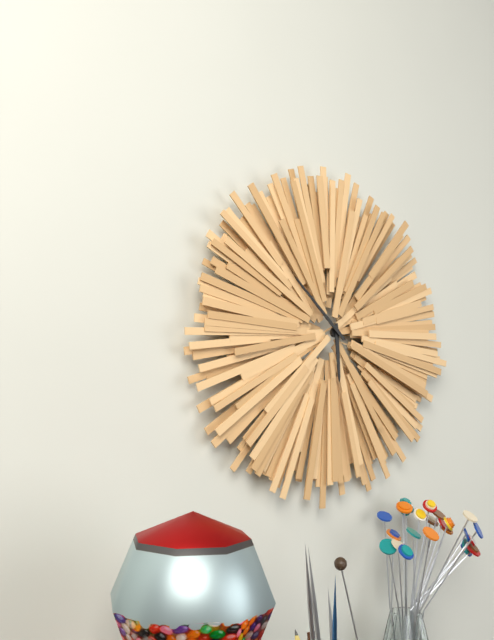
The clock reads {"hour": 5, "minute": 52}
